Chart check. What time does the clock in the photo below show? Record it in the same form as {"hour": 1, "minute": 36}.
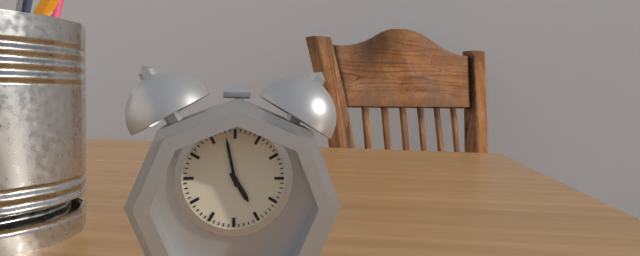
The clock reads {"hour": 4, "minute": 58}
